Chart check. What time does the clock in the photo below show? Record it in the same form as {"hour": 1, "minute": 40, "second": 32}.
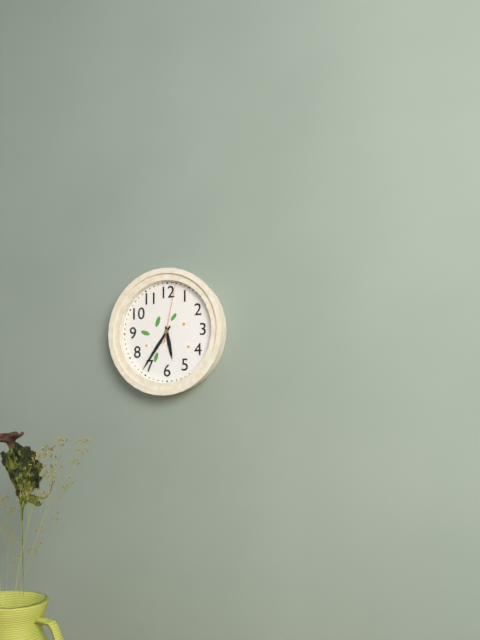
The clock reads {"hour": 5, "minute": 36, "second": 2}
